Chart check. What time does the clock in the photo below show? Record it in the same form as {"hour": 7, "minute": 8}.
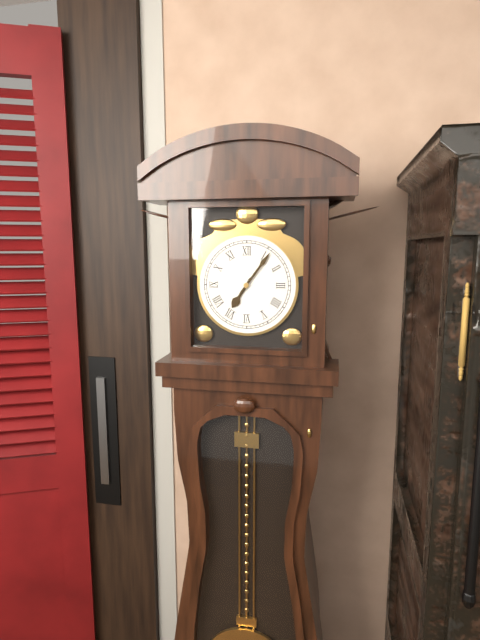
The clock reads {"hour": 7, "minute": 6}
